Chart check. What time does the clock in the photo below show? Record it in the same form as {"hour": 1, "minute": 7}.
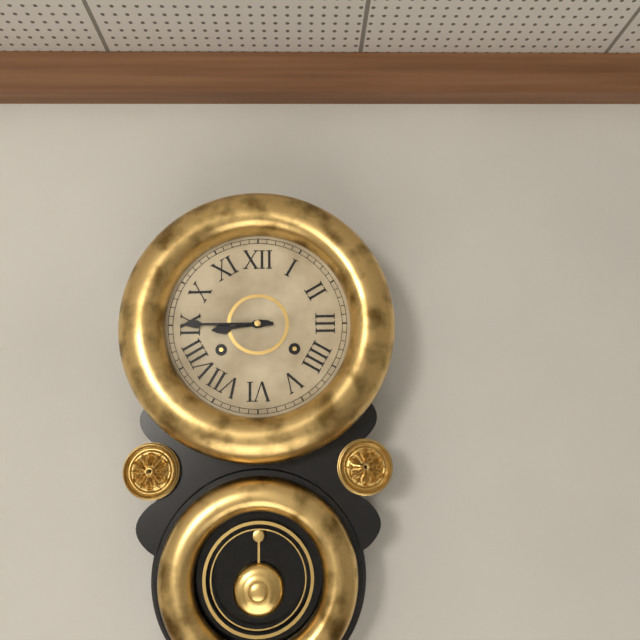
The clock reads {"hour": 8, "minute": 45}
